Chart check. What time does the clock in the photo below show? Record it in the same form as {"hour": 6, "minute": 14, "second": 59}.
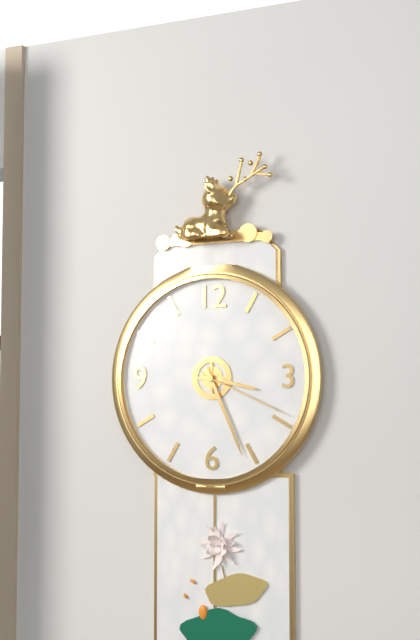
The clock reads {"hour": 3, "minute": 26, "second": 19}
